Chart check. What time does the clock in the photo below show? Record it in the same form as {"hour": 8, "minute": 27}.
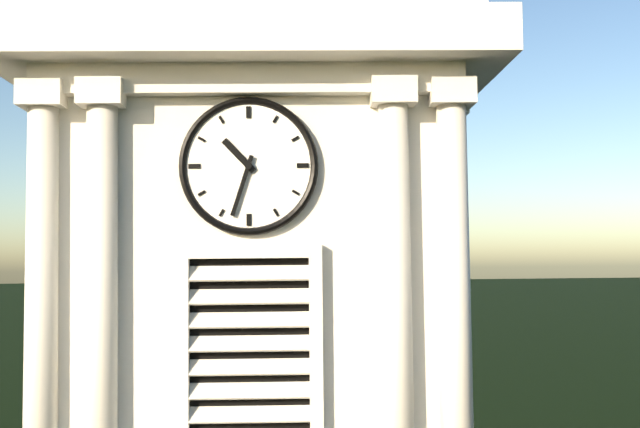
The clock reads {"hour": 10, "minute": 33}
